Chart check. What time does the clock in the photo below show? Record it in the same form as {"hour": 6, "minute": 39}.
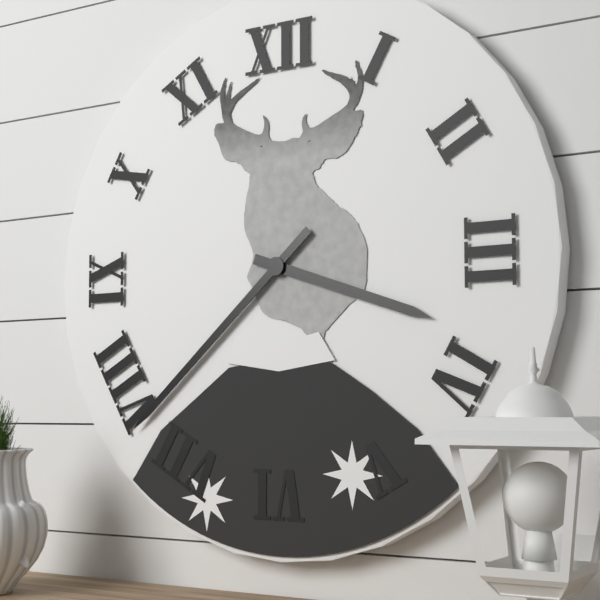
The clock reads {"hour": 3, "minute": 38}
